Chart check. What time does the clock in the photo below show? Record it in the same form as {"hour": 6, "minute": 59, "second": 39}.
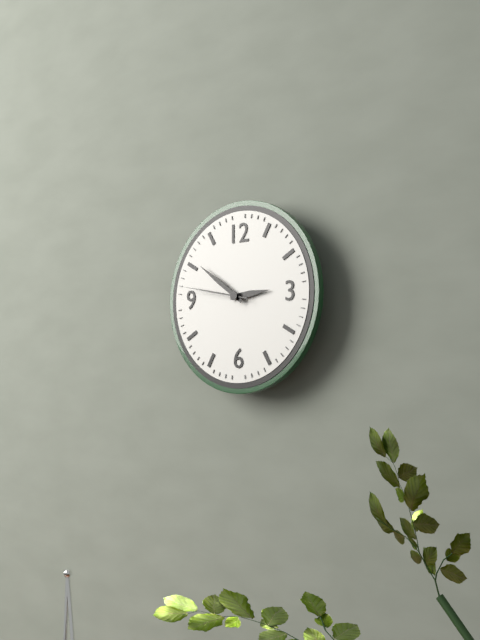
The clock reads {"hour": 2, "minute": 51, "second": 47}
